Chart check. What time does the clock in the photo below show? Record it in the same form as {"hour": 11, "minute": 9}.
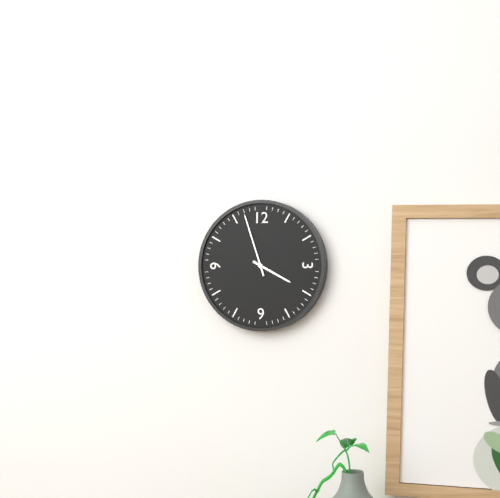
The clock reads {"hour": 3, "minute": 57}
